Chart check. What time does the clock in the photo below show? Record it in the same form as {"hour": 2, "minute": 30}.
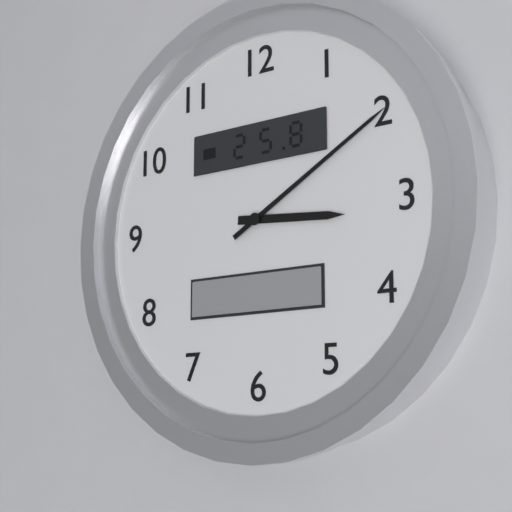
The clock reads {"hour": 3, "minute": 10}
